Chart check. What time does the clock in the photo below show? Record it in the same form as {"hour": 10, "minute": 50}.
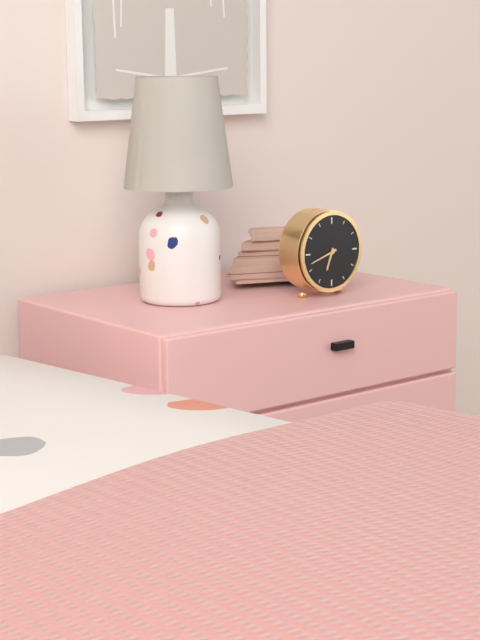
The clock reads {"hour": 6, "minute": 42}
